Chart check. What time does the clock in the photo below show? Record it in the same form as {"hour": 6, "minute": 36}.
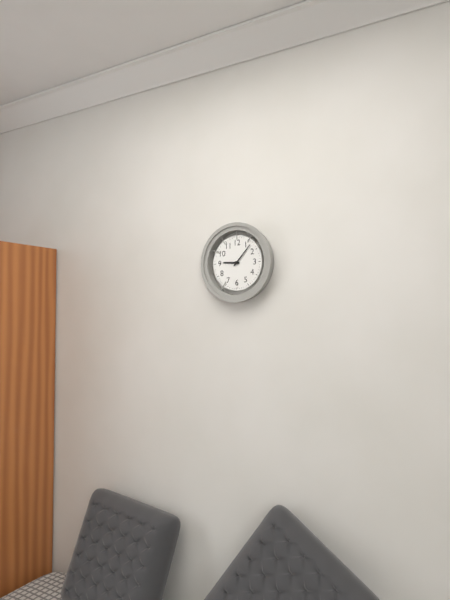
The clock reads {"hour": 9, "minute": 7}
